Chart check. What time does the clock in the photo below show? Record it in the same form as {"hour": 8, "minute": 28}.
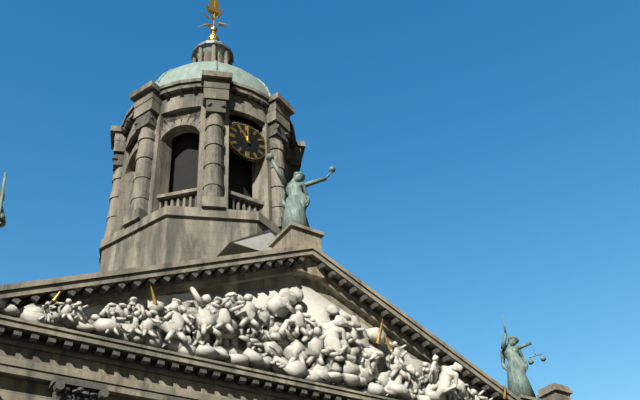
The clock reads {"hour": 11, "minute": 0}
